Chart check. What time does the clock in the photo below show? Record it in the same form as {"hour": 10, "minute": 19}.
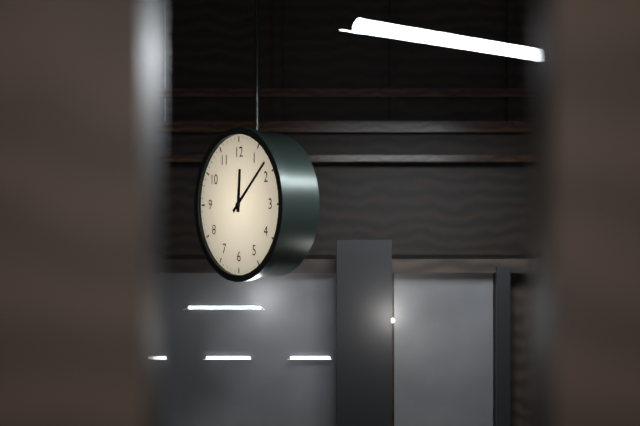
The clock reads {"hour": 12, "minute": 8}
